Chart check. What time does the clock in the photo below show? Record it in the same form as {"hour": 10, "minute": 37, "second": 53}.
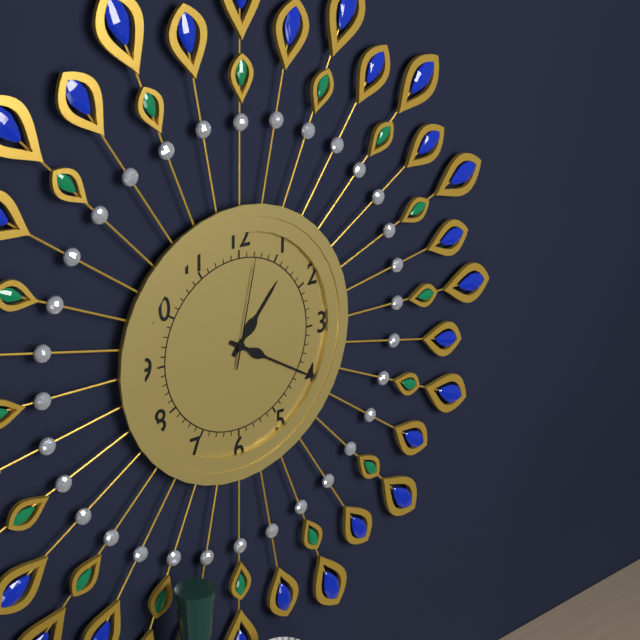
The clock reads {"hour": 1, "minute": 20, "second": 2}
